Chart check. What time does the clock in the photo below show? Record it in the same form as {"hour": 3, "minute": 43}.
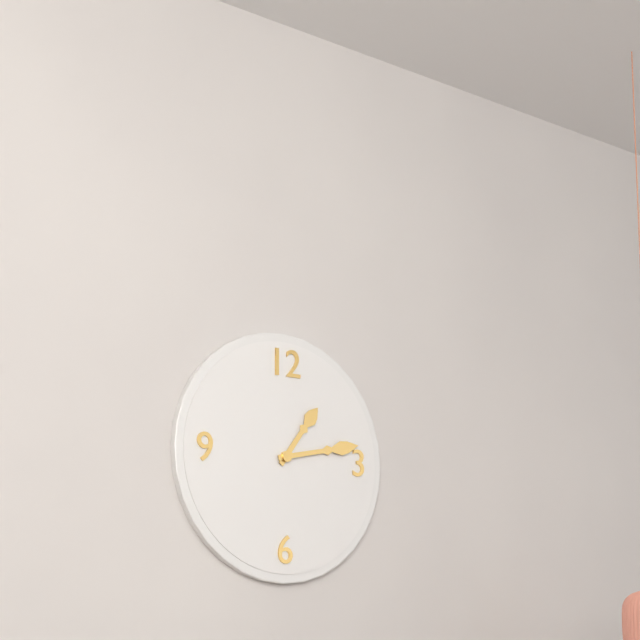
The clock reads {"hour": 1, "minute": 13}
